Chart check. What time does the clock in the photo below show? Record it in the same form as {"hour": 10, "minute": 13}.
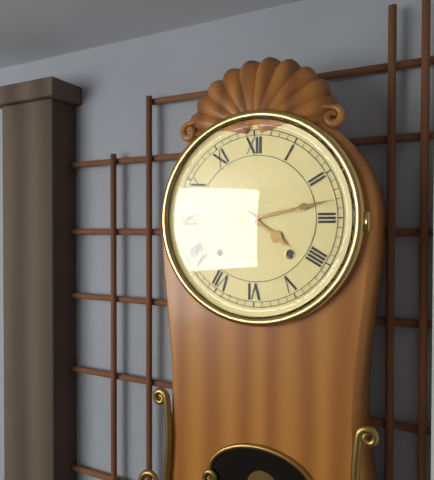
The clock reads {"hour": 4, "minute": 13}
